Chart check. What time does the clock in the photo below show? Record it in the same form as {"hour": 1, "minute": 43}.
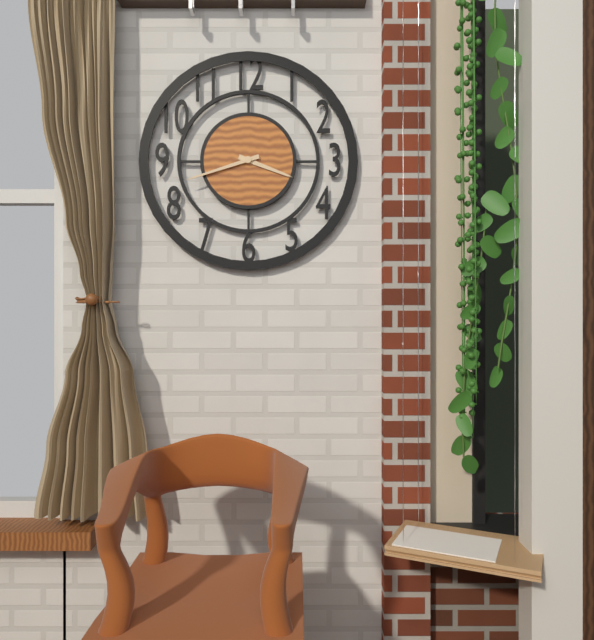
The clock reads {"hour": 3, "minute": 42}
